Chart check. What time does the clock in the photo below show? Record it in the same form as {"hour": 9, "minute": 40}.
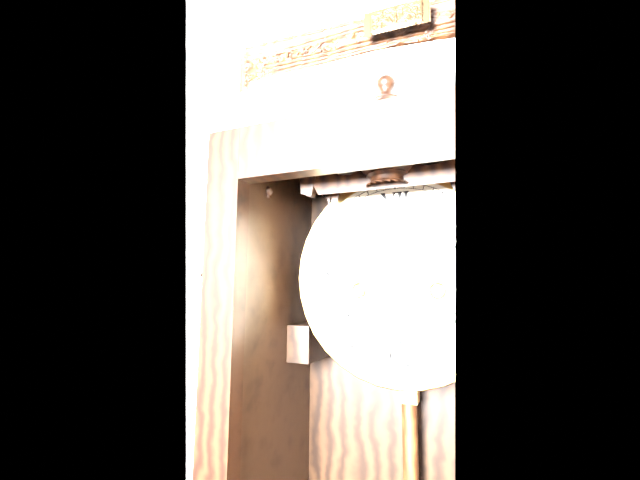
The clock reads {"hour": 1, "minute": 31}
